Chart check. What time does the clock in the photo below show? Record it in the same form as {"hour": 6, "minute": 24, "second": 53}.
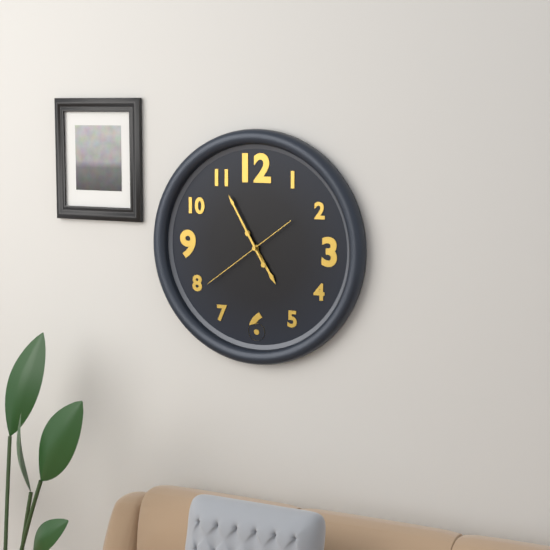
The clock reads {"hour": 4, "minute": 55, "second": 39}
